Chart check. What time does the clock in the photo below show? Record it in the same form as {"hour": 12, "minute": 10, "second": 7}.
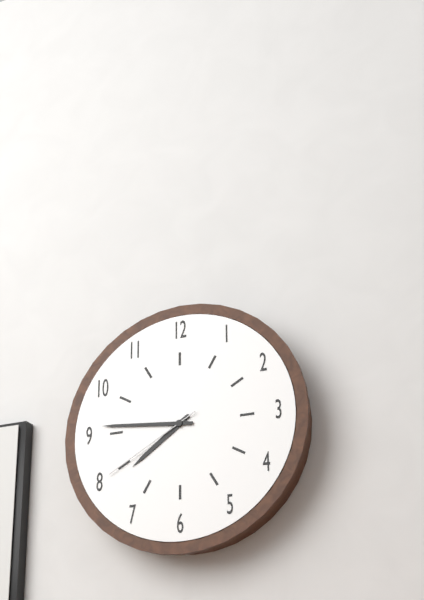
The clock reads {"hour": 7, "minute": 46, "second": 40}
